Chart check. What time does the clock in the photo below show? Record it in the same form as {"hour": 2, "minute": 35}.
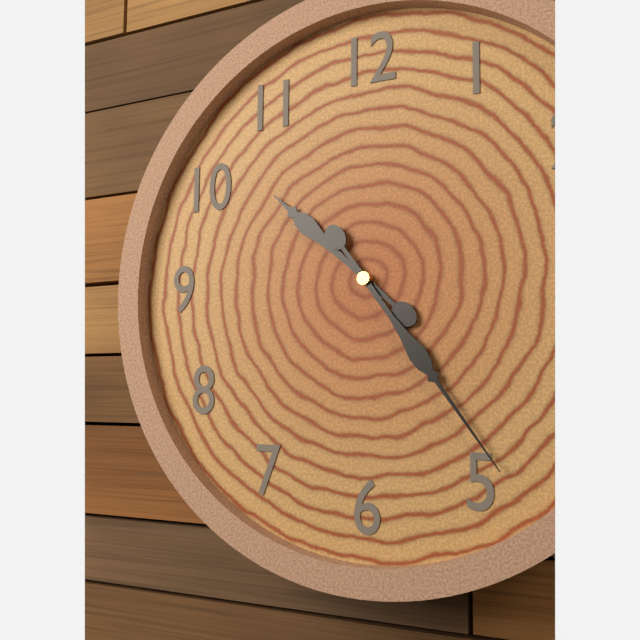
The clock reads {"hour": 10, "minute": 24}
